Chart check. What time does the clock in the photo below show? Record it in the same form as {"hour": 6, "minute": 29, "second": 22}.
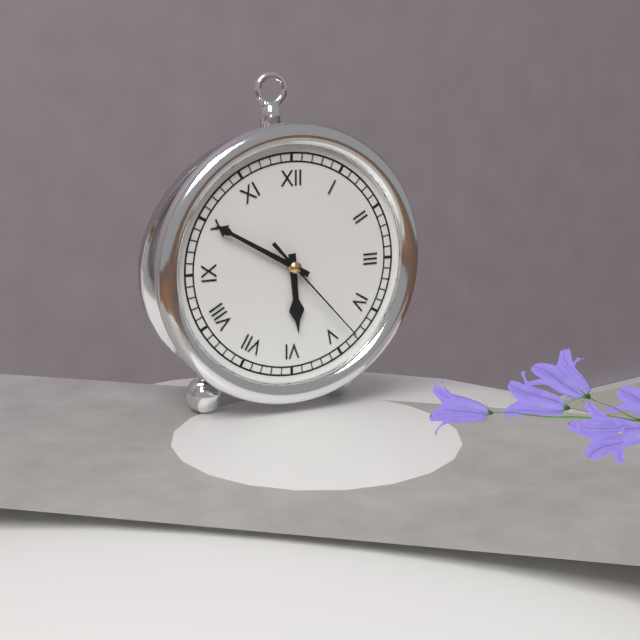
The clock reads {"hour": 5, "minute": 50, "second": 23}
